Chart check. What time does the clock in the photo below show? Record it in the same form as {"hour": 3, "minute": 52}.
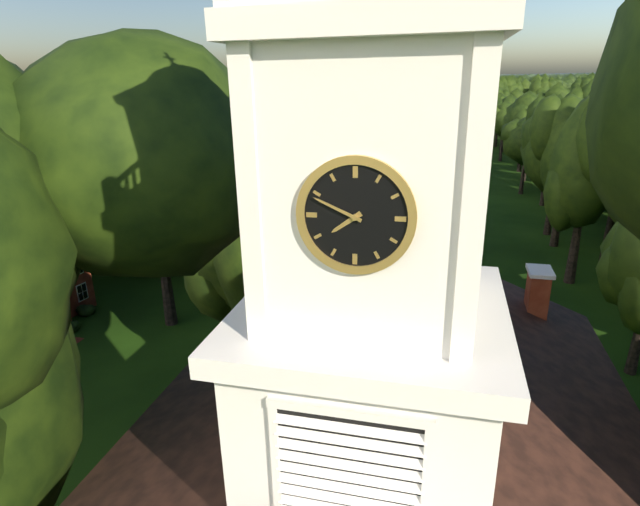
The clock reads {"hour": 7, "minute": 49}
